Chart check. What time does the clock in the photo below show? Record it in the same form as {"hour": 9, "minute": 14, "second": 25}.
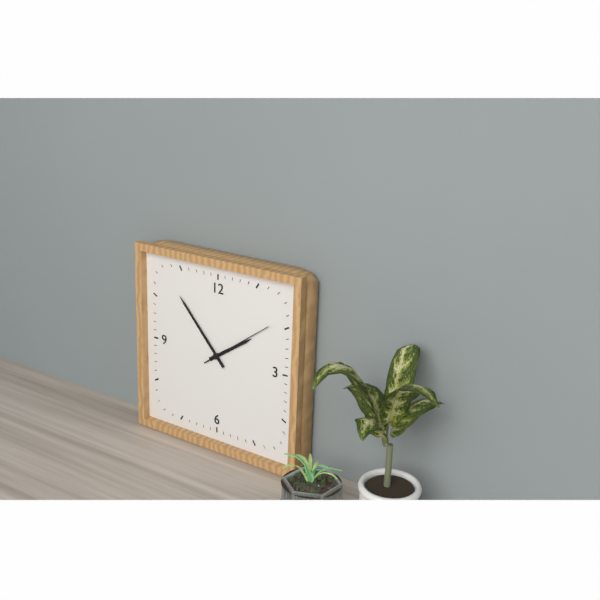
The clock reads {"hour": 1, "minute": 53, "second": 9}
